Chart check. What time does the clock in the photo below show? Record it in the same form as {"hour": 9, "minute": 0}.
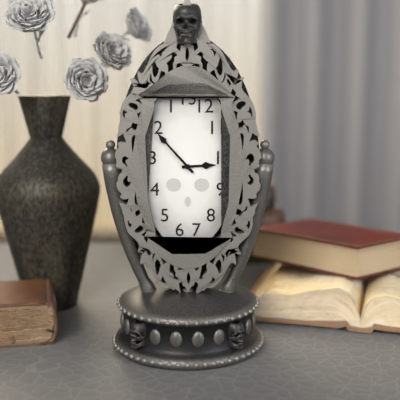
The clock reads {"hour": 2, "minute": 53}
